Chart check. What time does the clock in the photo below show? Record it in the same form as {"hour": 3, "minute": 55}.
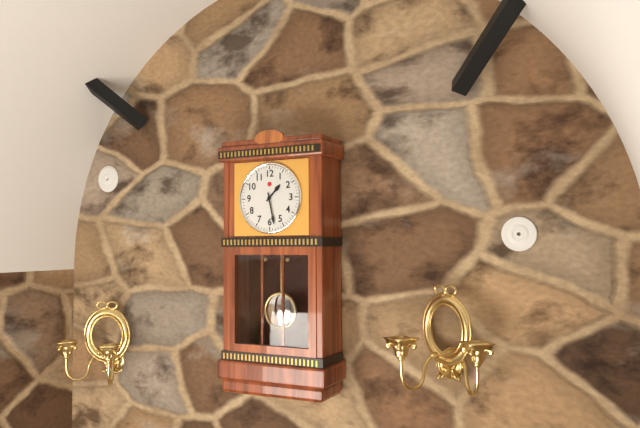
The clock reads {"hour": 1, "minute": 28}
